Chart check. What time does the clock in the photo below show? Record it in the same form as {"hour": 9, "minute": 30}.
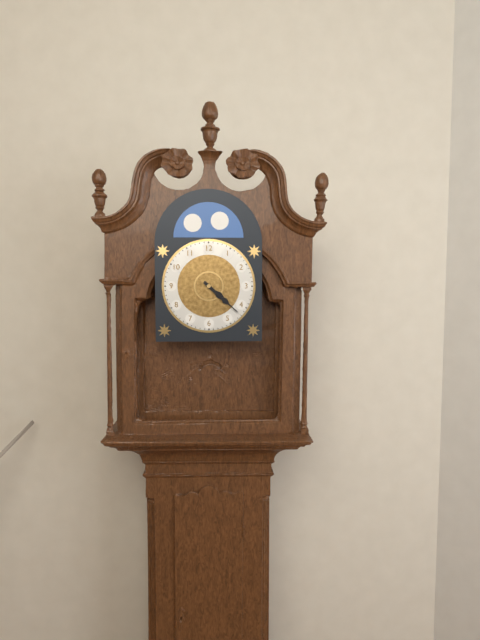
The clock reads {"hour": 4, "minute": 22}
